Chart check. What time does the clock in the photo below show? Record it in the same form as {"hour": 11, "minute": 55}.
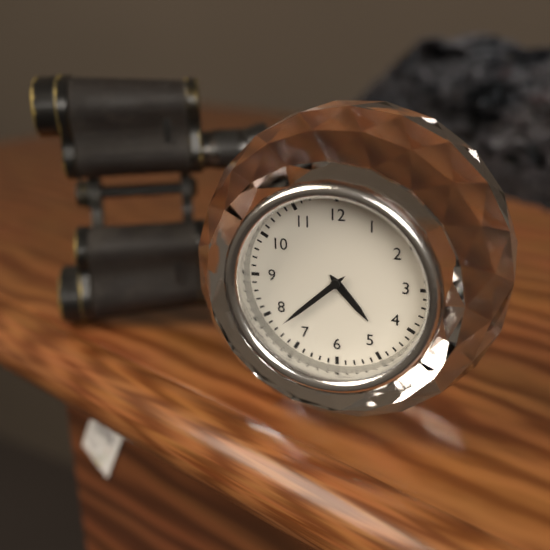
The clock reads {"hour": 4, "minute": 38}
